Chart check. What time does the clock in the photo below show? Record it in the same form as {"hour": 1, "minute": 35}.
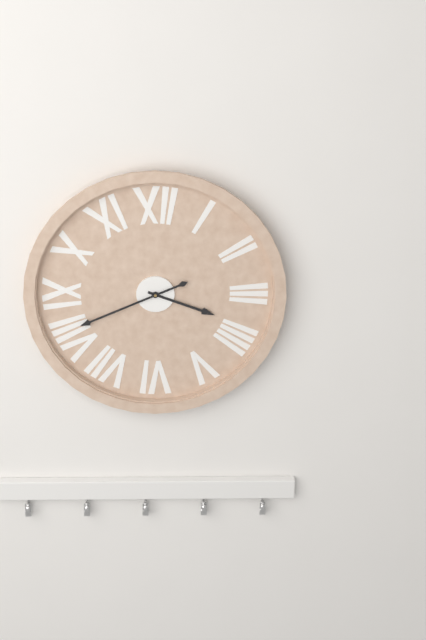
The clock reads {"hour": 3, "minute": 41}
